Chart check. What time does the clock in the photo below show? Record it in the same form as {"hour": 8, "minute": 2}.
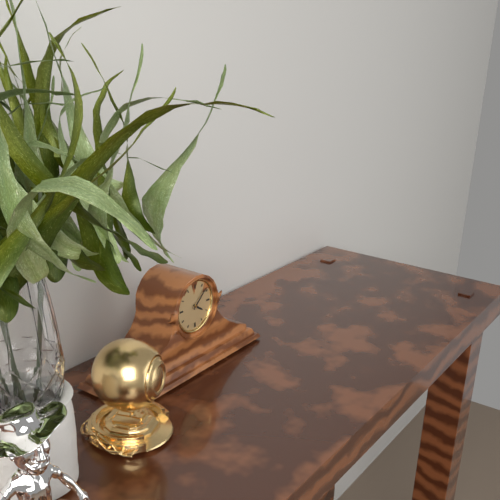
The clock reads {"hour": 4, "minute": 8}
